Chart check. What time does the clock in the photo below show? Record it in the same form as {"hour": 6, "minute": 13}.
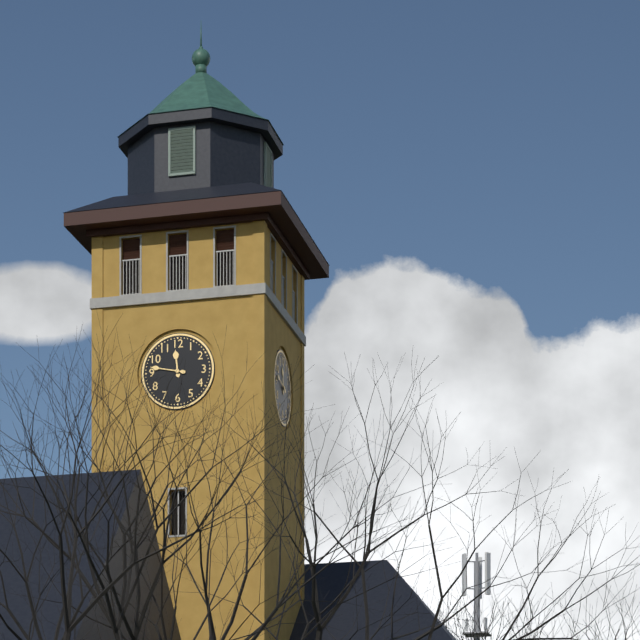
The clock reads {"hour": 11, "minute": 47}
